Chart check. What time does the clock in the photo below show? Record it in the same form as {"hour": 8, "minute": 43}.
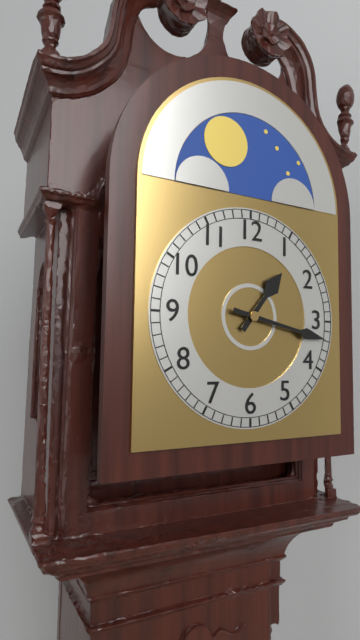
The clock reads {"hour": 1, "minute": 17}
